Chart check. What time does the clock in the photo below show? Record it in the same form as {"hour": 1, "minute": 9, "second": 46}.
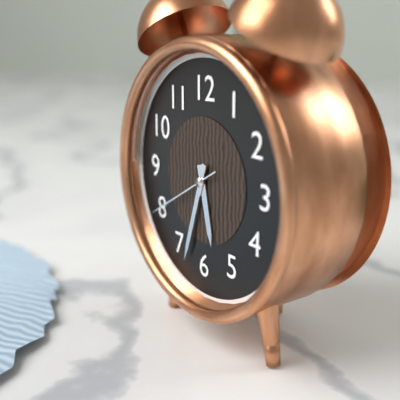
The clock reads {"hour": 5, "minute": 33, "second": 40}
